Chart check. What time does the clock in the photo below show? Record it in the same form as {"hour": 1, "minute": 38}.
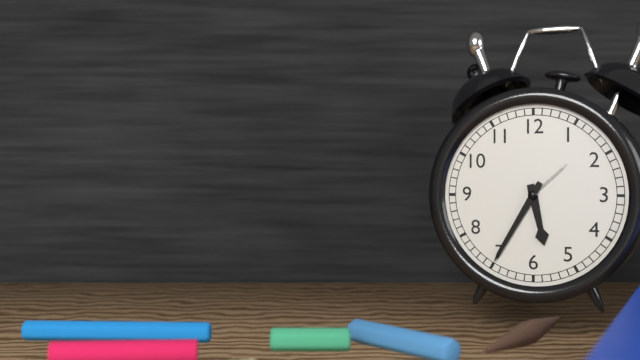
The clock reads {"hour": 5, "minute": 35}
